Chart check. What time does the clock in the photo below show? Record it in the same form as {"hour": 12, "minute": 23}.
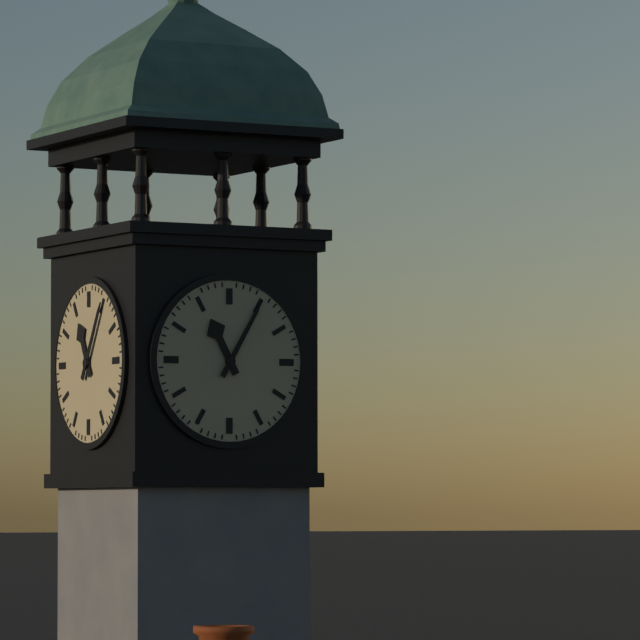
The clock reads {"hour": 11, "minute": 5}
